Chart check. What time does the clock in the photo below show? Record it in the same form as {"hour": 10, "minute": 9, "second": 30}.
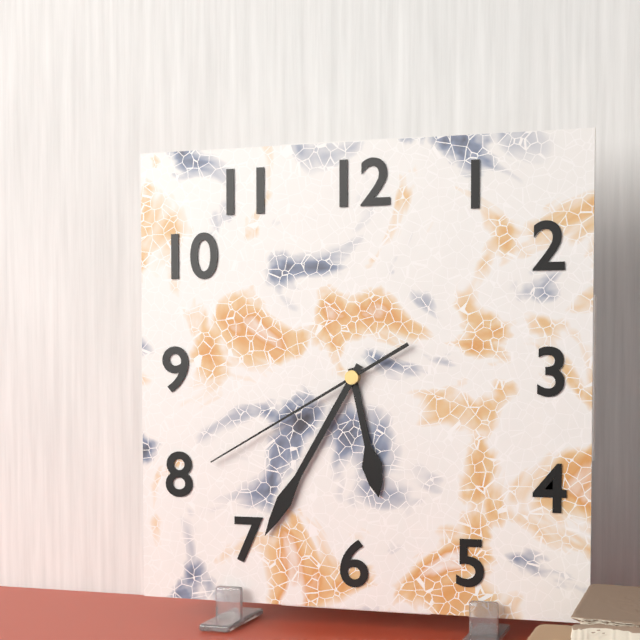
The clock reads {"hour": 5, "minute": 35, "second": 40}
